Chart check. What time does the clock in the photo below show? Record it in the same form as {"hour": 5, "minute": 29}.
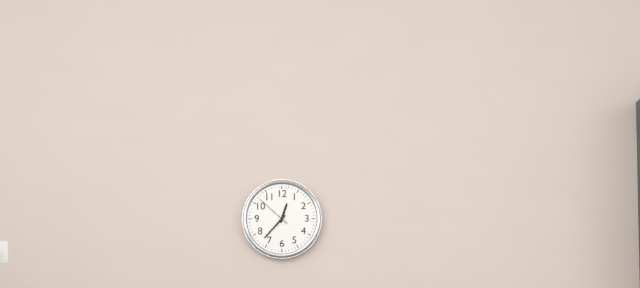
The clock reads {"hour": 12, "minute": 37}
